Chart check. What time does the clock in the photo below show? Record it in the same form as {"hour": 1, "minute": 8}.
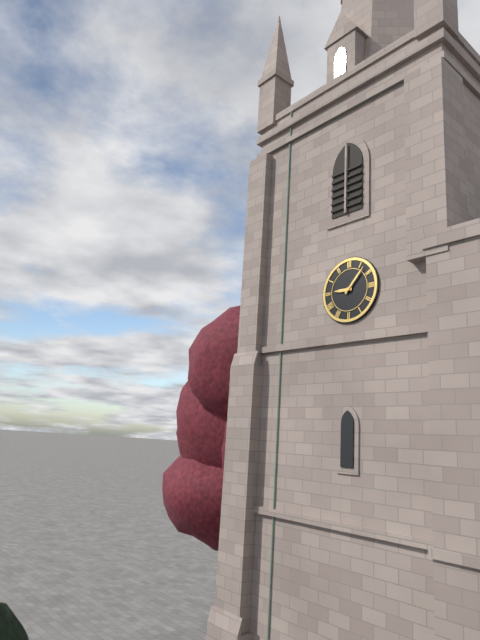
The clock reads {"hour": 9, "minute": 7}
